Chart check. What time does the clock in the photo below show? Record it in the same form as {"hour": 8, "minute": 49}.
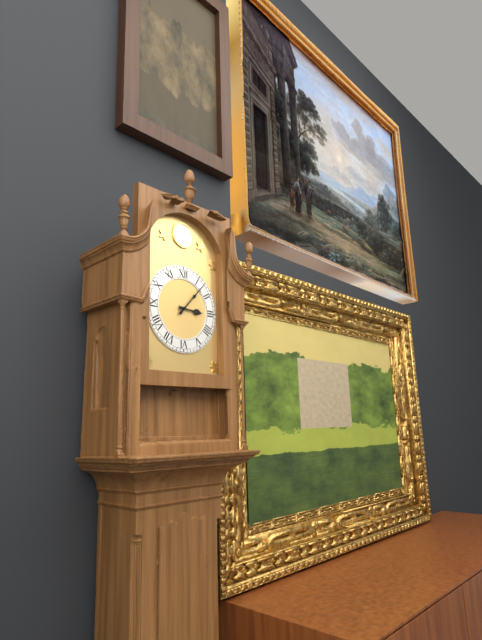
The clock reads {"hour": 3, "minute": 7}
